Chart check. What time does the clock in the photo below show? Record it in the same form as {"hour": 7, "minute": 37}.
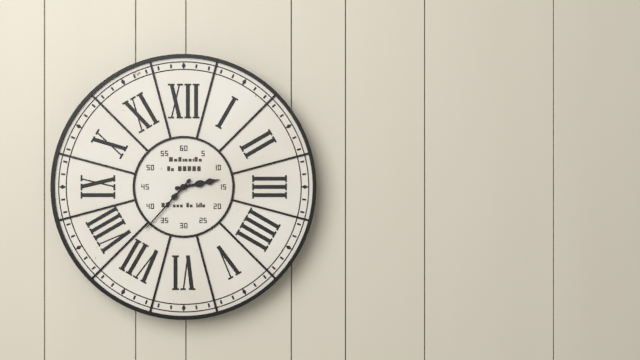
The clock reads {"hour": 2, "minute": 37}
